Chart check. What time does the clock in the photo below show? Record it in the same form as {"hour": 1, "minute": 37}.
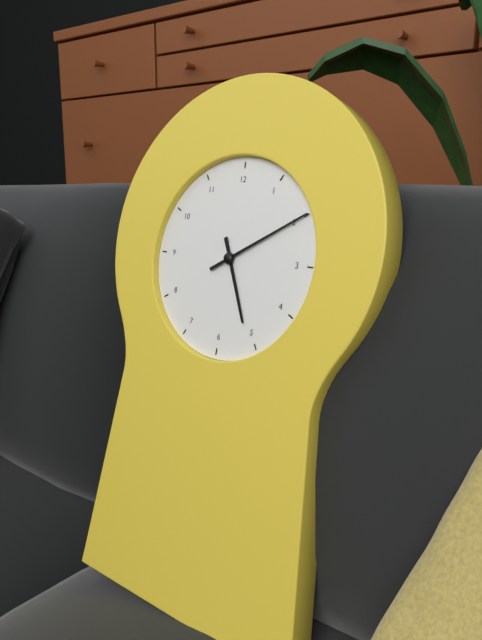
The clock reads {"hour": 5, "minute": 10}
